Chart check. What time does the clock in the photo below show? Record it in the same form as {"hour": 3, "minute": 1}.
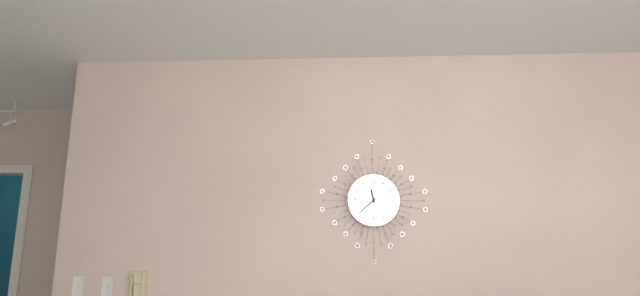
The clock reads {"hour": 11, "minute": 38}
